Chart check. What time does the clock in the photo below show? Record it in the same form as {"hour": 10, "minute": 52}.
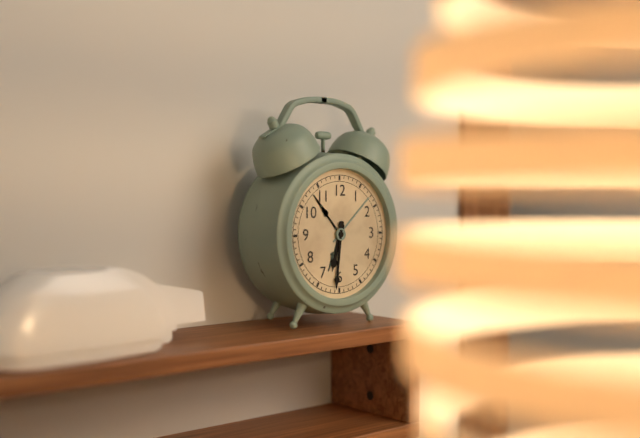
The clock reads {"hour": 6, "minute": 31}
